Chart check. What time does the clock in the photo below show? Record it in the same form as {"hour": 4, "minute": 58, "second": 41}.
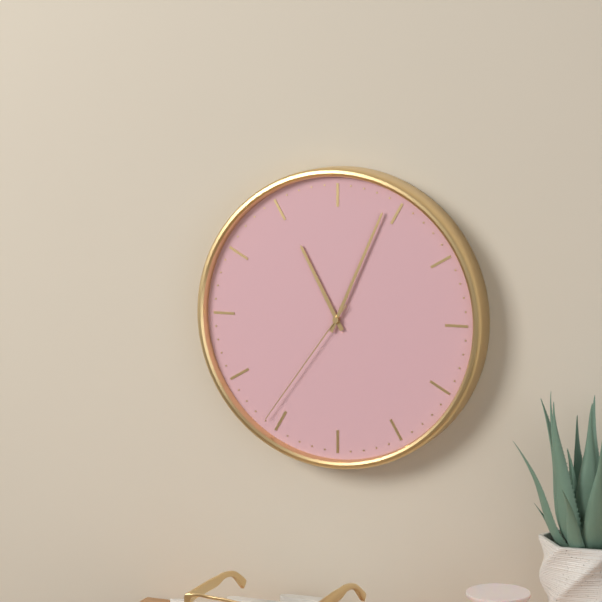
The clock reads {"hour": 11, "minute": 4, "second": 36}
